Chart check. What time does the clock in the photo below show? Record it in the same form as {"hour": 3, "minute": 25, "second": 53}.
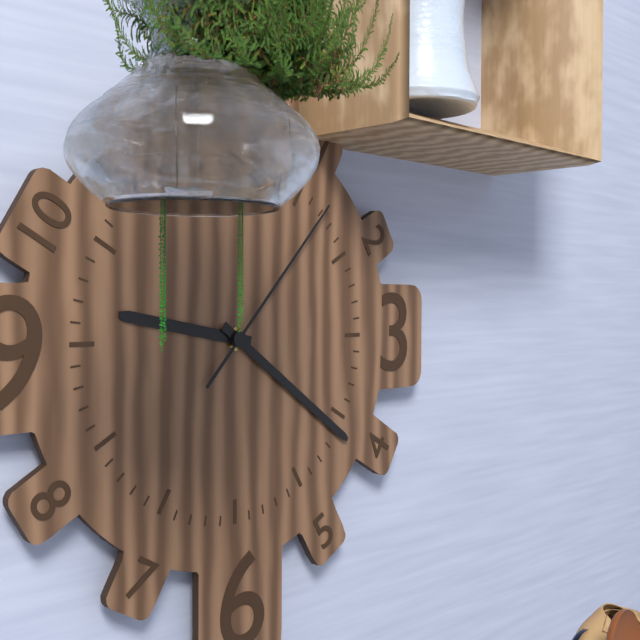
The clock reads {"hour": 9, "minute": 21, "second": 7}
